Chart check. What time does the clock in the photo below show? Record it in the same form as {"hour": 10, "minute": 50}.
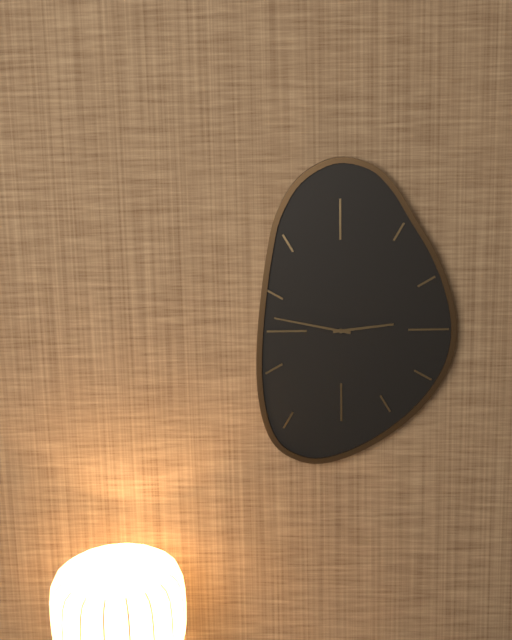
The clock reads {"hour": 2, "minute": 47}
